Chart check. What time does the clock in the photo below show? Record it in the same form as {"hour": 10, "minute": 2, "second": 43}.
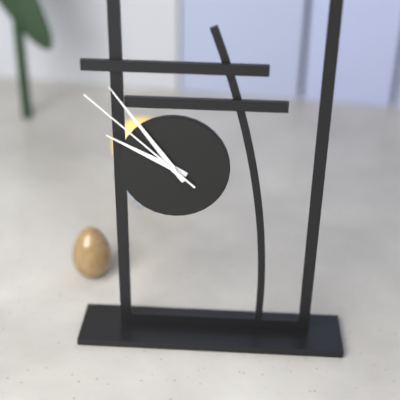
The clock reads {"hour": 9, "minute": 54, "second": 52}
